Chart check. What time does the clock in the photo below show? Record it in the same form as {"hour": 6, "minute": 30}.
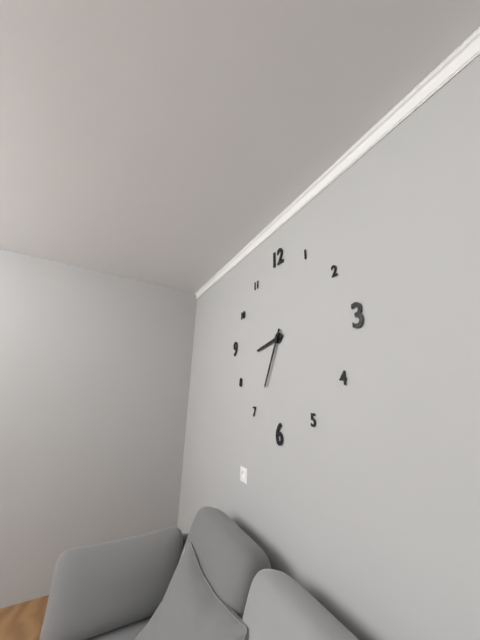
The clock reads {"hour": 8, "minute": 34}
